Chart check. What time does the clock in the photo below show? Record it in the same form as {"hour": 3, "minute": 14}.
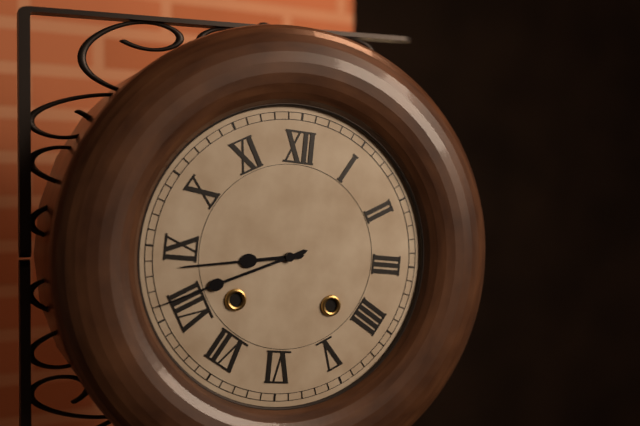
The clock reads {"hour": 8, "minute": 41}
